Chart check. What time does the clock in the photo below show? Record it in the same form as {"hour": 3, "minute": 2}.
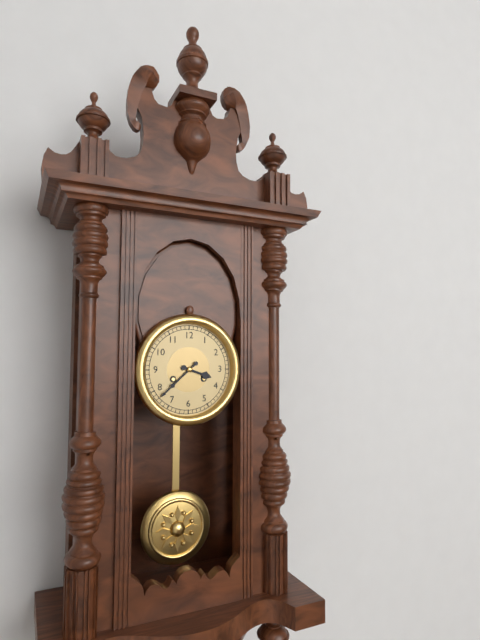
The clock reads {"hour": 3, "minute": 38}
